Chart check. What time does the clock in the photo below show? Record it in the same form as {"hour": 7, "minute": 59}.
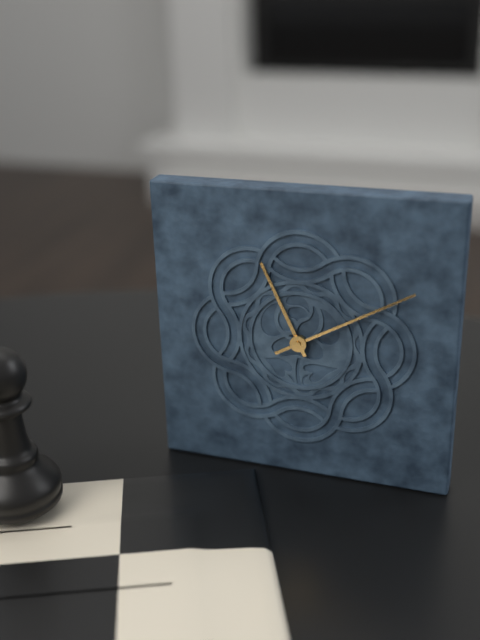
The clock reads {"hour": 11, "minute": 10}
